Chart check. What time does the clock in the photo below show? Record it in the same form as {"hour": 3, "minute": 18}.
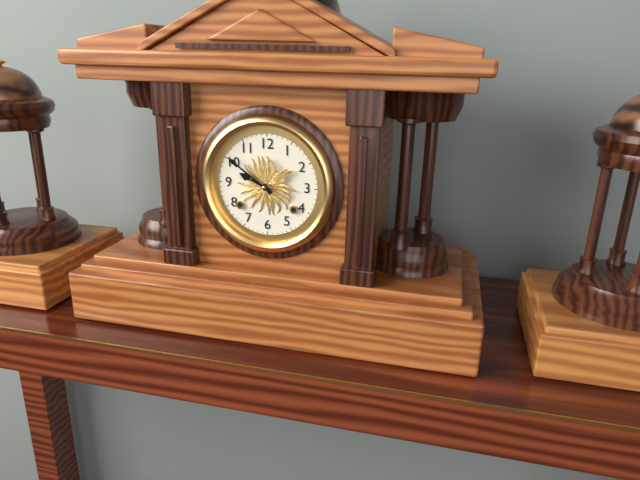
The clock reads {"hour": 9, "minute": 51}
